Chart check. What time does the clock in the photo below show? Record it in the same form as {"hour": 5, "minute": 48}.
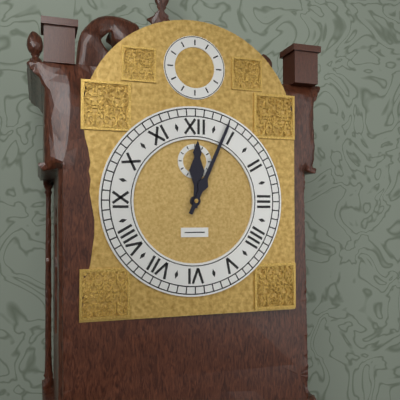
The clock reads {"hour": 12, "minute": 4}
